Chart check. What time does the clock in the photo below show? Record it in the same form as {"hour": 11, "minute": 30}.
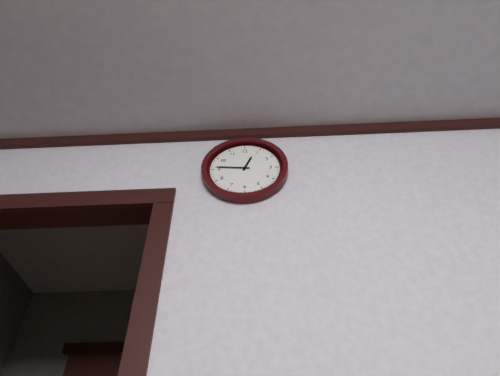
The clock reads {"hour": 12, "minute": 46}
